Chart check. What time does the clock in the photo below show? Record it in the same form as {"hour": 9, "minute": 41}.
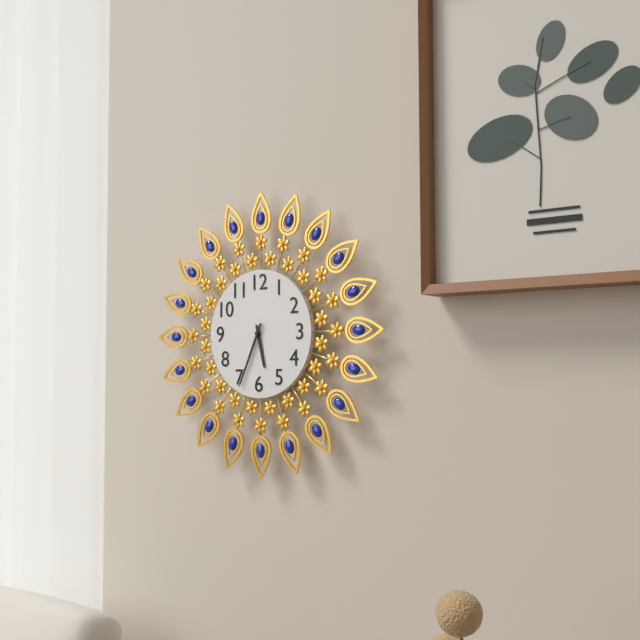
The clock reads {"hour": 5, "minute": 34}
